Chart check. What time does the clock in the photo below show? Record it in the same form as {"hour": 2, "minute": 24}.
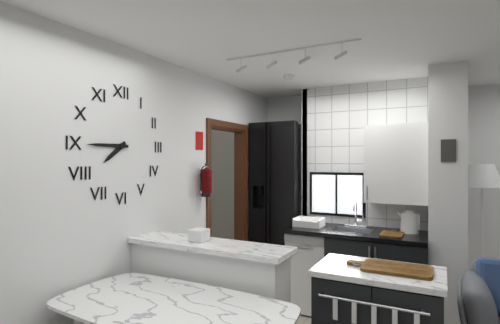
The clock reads {"hour": 7, "minute": 45}
